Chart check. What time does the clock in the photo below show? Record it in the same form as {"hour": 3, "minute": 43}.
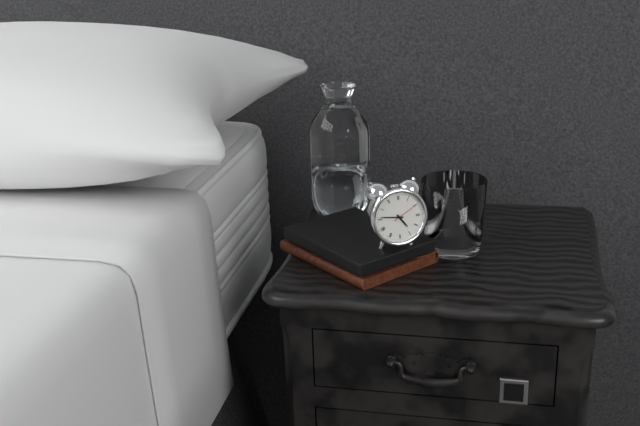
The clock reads {"hour": 4, "minute": 46}
